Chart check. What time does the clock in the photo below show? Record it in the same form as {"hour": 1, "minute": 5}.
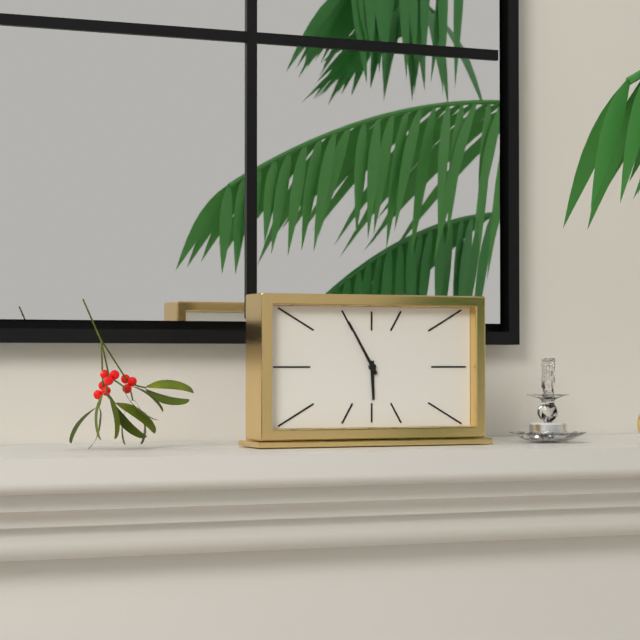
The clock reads {"hour": 5, "minute": 55}
